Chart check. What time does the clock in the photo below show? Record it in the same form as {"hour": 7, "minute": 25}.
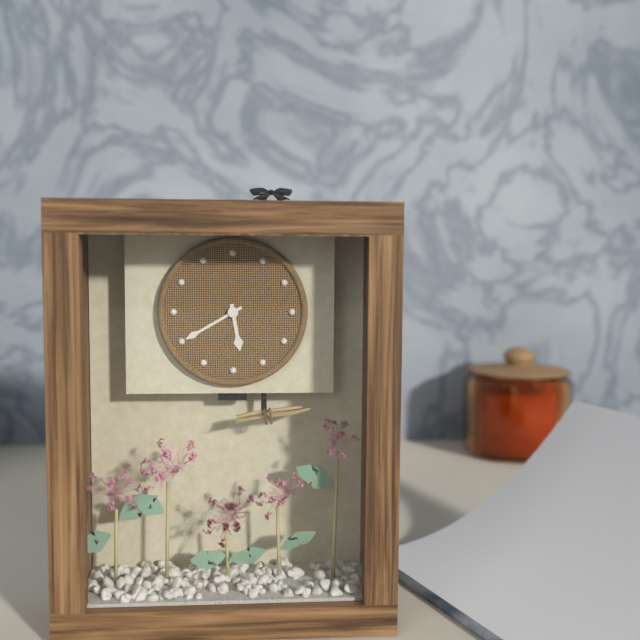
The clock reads {"hour": 5, "minute": 40}
